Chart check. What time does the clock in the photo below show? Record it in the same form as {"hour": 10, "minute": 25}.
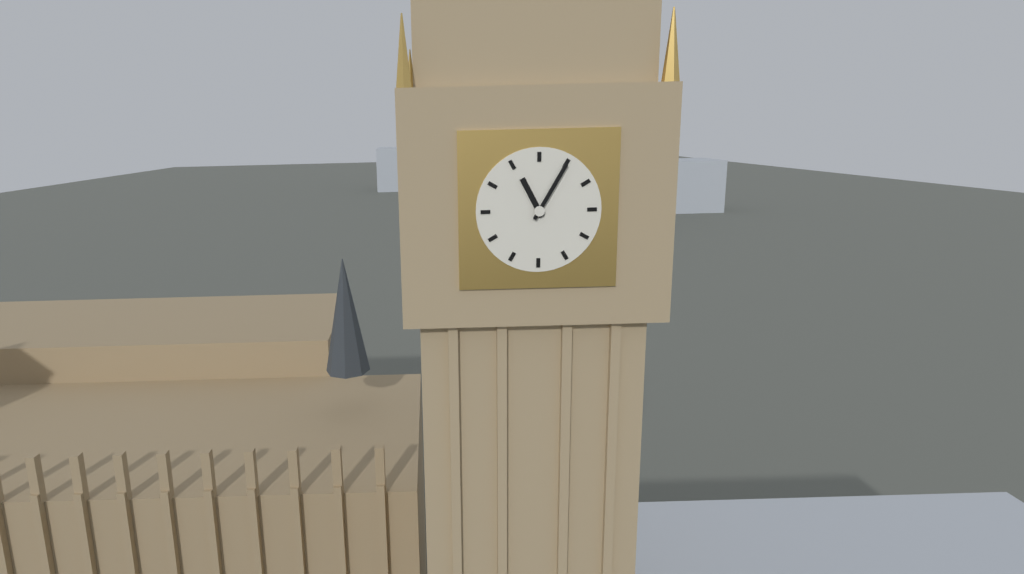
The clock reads {"hour": 11, "minute": 5}
